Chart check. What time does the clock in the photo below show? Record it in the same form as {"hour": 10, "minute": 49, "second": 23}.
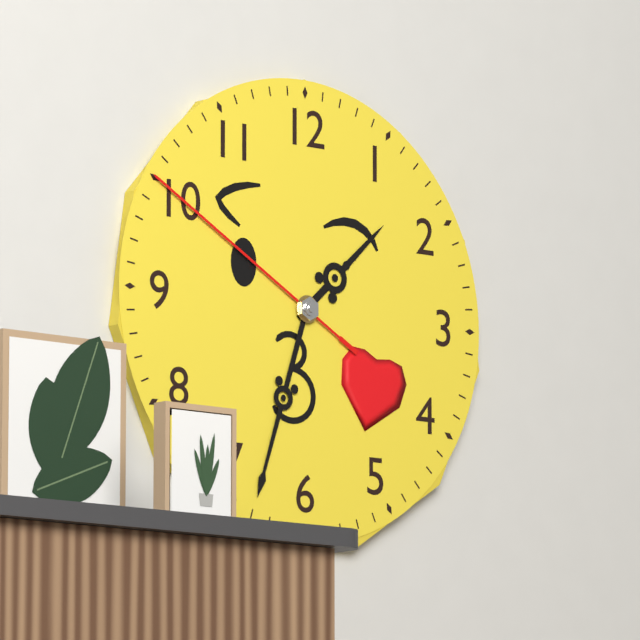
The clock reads {"hour": 1, "minute": 33, "second": 50}
